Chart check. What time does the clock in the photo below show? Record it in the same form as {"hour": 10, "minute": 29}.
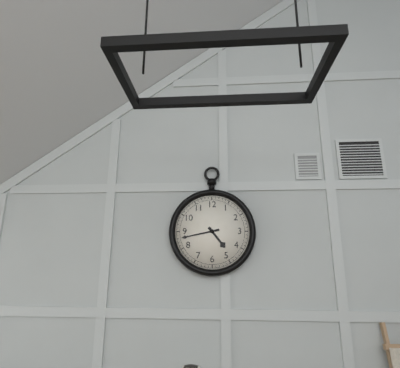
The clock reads {"hour": 4, "minute": 43}
